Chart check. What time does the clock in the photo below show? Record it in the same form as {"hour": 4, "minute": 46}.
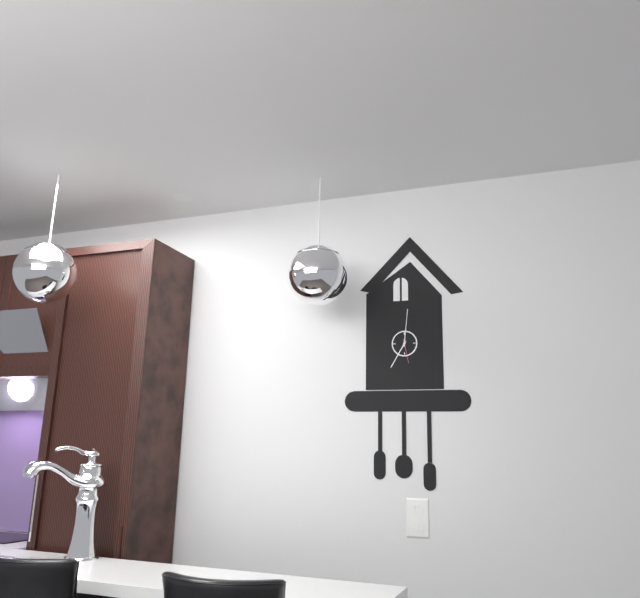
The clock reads {"hour": 7, "minute": 1}
